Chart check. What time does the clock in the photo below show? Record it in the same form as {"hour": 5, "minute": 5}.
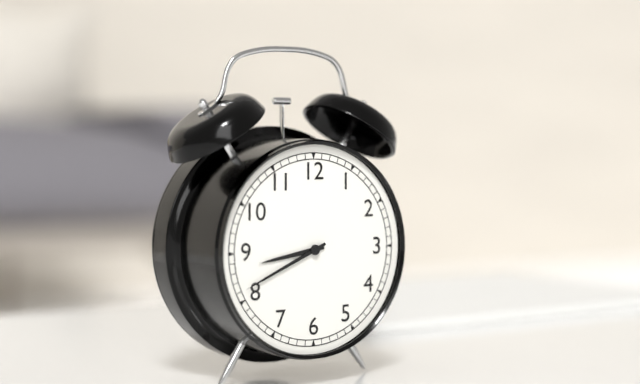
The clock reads {"hour": 8, "minute": 41}
